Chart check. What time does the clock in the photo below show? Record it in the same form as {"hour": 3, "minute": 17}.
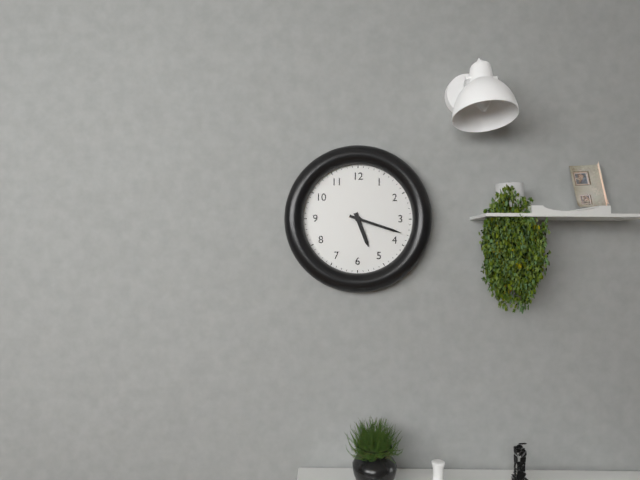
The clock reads {"hour": 5, "minute": 18}
